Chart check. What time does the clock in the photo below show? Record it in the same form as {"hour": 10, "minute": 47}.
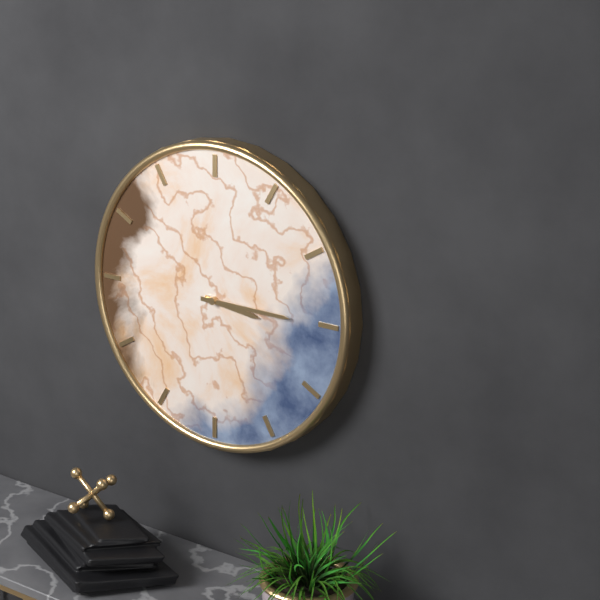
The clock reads {"hour": 3, "minute": 15}
